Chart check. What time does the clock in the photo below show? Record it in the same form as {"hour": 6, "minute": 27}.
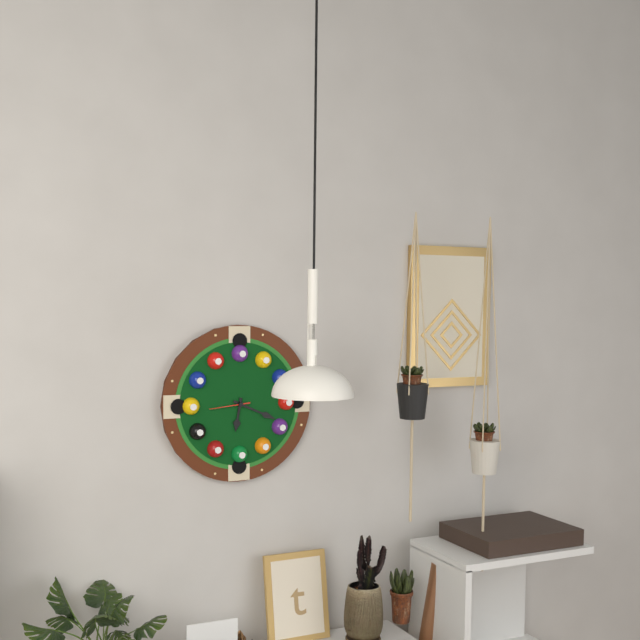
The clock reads {"hour": 6, "minute": 19}
